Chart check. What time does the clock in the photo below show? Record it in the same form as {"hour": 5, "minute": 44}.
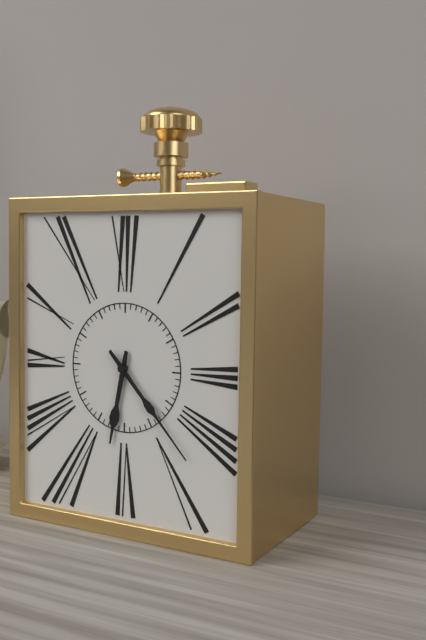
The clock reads {"hour": 6, "minute": 23}
